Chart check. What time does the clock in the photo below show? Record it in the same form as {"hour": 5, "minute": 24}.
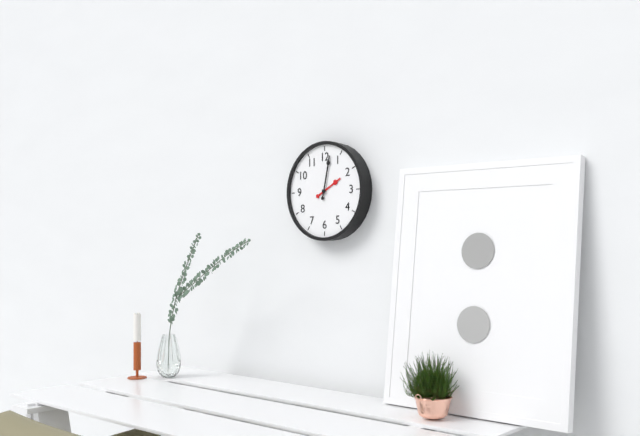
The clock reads {"hour": 2, "minute": 2}
